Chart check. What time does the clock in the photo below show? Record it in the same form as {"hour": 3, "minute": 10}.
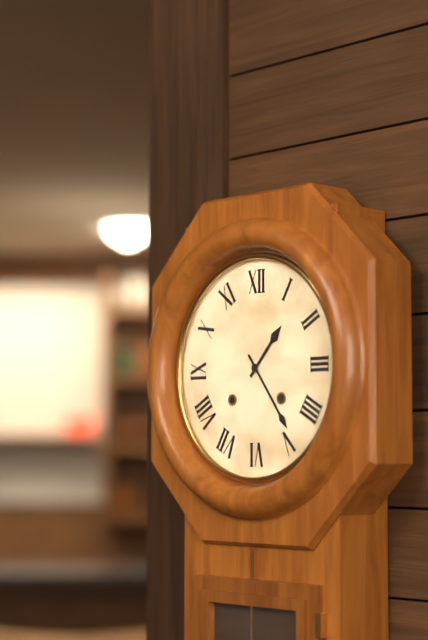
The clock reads {"hour": 1, "minute": 24}
